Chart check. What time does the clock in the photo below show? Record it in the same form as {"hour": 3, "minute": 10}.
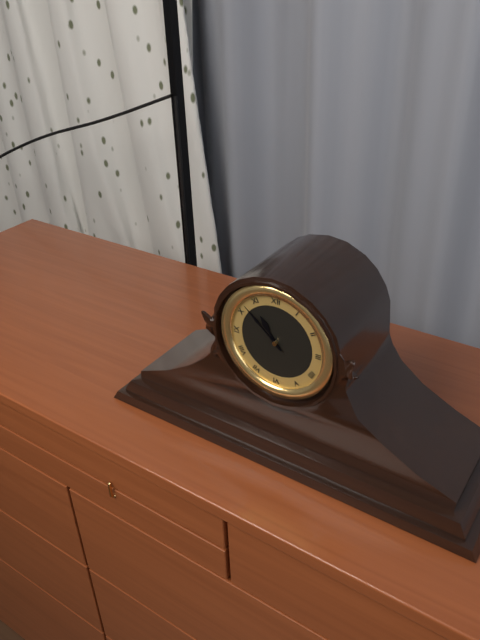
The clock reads {"hour": 10, "minute": 52}
